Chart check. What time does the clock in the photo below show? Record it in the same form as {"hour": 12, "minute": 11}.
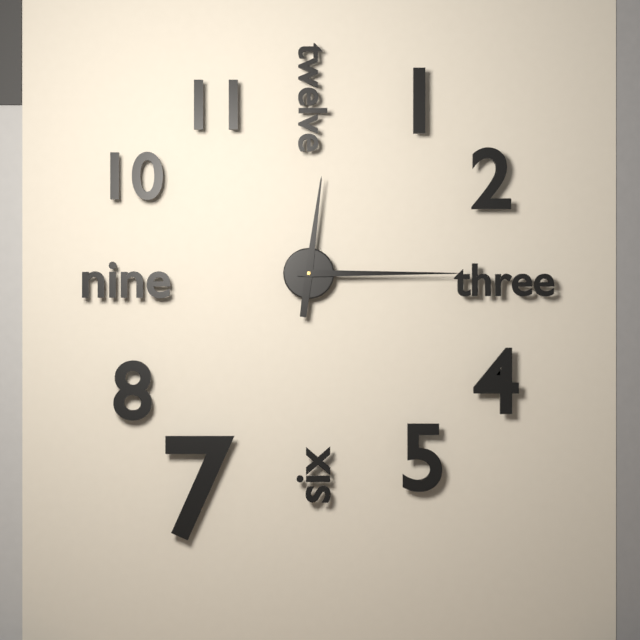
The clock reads {"hour": 12, "minute": 15}
